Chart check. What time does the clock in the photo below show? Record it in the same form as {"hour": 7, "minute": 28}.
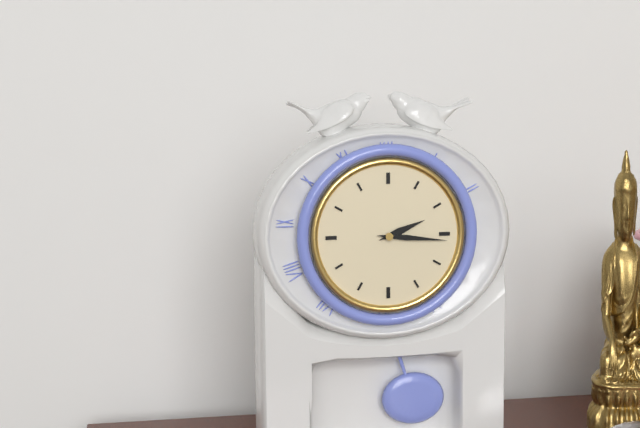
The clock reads {"hour": 2, "minute": 16}
